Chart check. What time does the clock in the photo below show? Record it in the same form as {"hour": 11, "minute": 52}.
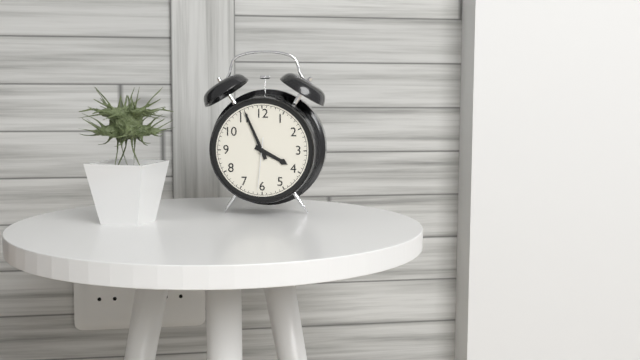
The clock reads {"hour": 3, "minute": 56}
